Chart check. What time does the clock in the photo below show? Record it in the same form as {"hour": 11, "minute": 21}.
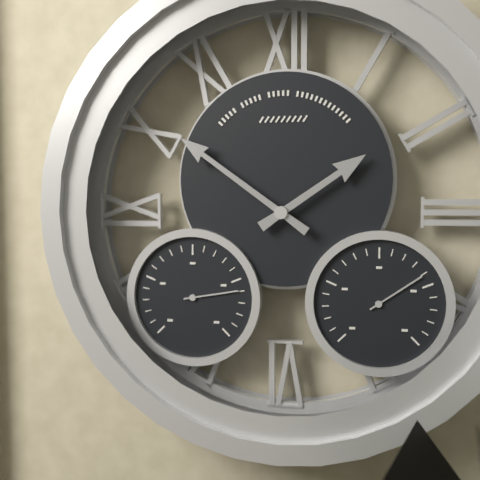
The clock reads {"hour": 1, "minute": 51}
